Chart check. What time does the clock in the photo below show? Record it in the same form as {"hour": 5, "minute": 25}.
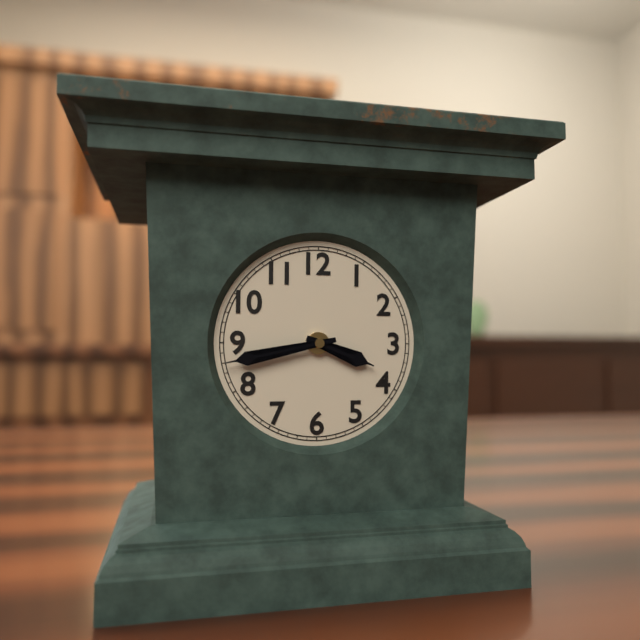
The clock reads {"hour": 3, "minute": 43}
